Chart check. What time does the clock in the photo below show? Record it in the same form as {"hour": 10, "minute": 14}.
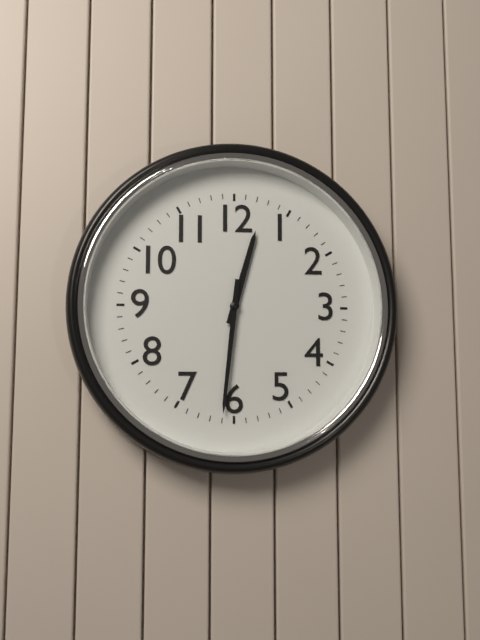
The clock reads {"hour": 12, "minute": 31}
